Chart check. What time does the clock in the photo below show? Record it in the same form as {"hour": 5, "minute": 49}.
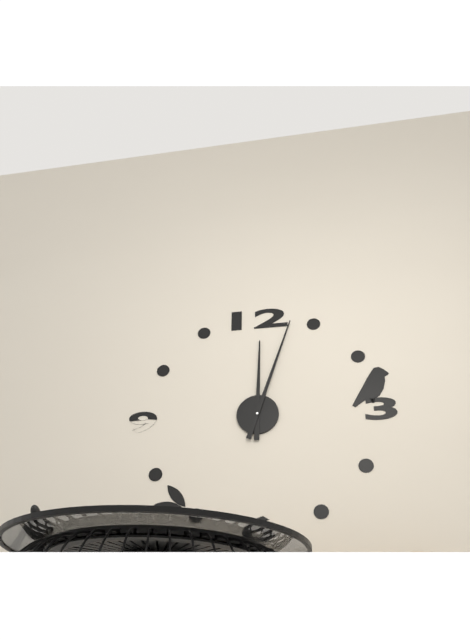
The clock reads {"hour": 12, "minute": 3}
